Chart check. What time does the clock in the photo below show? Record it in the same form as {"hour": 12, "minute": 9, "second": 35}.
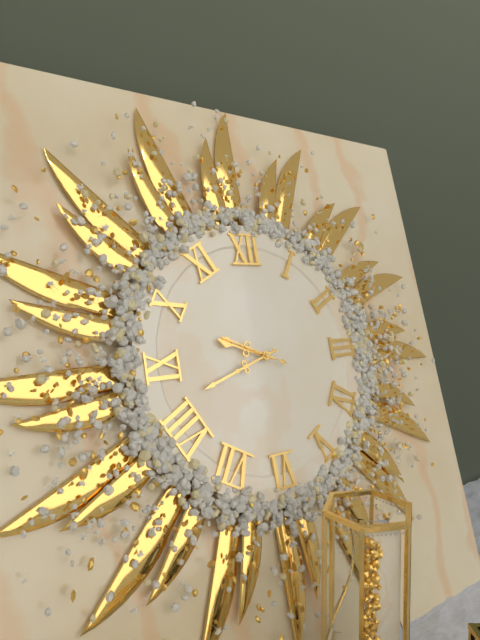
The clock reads {"hour": 9, "minute": 42, "second": 49}
